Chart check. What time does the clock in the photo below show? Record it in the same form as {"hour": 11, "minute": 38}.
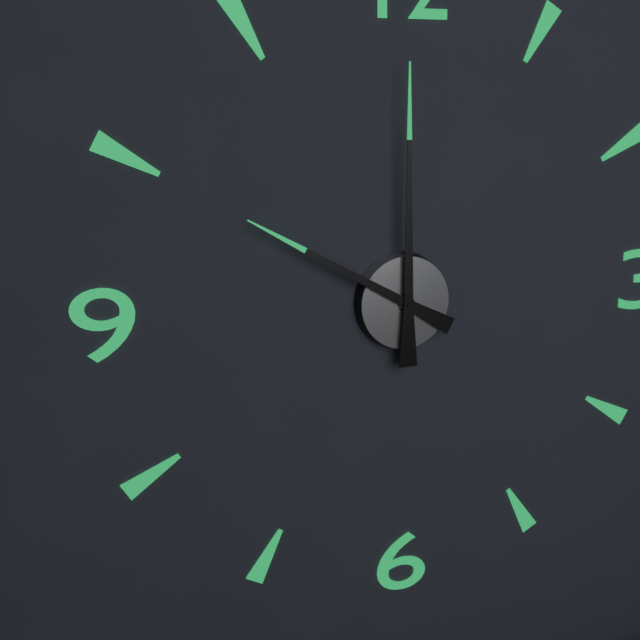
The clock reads {"hour": 10, "minute": 0}
